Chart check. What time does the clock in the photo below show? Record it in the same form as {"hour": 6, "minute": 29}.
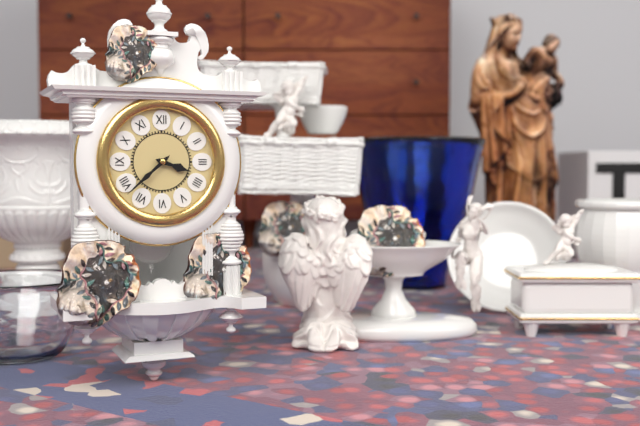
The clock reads {"hour": 3, "minute": 38}
